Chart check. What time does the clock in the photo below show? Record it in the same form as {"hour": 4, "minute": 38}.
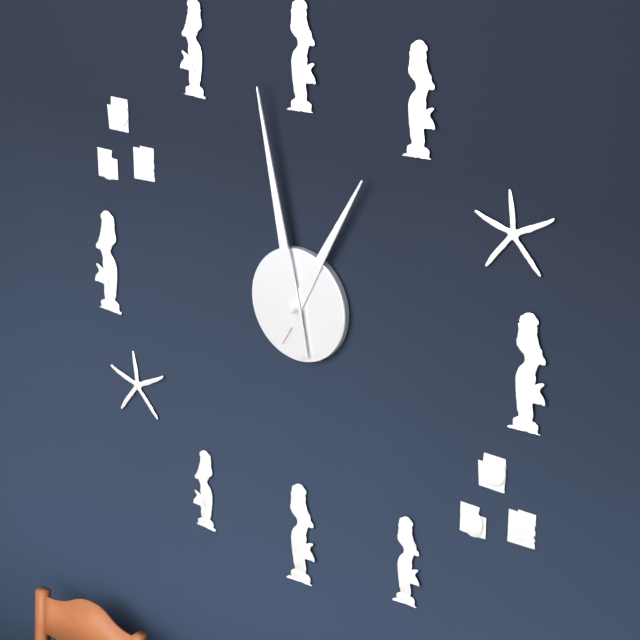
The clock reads {"hour": 12, "minute": 58}
